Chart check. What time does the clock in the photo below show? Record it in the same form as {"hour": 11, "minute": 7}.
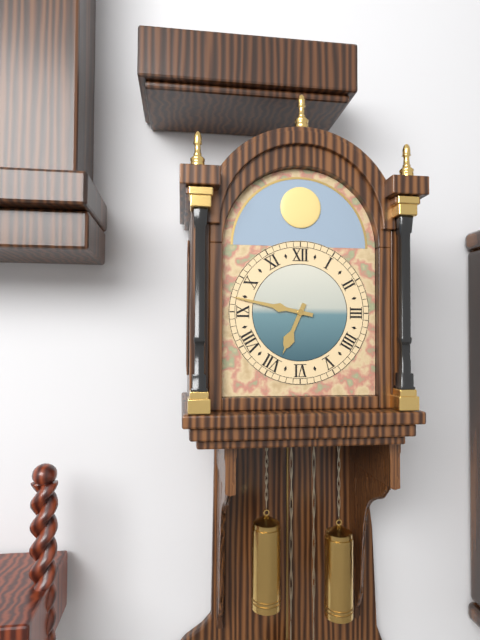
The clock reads {"hour": 6, "minute": 47}
